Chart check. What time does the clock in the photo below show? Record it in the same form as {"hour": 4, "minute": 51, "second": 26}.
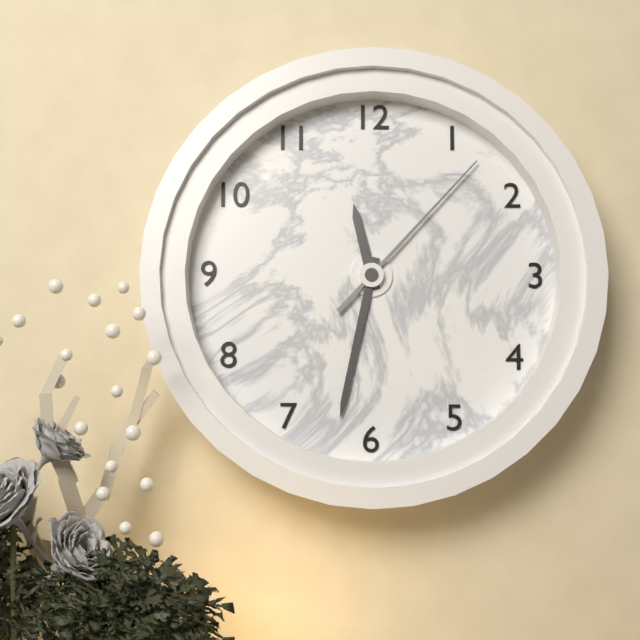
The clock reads {"hour": 11, "minute": 32, "second": 7}
